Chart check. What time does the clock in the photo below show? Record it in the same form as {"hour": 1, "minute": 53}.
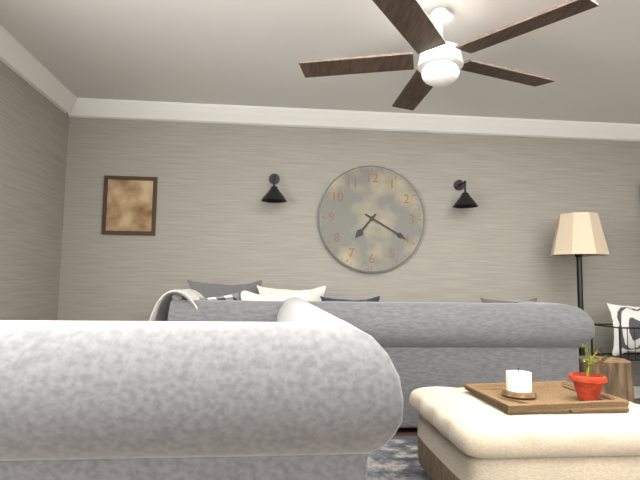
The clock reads {"hour": 7, "minute": 20}
